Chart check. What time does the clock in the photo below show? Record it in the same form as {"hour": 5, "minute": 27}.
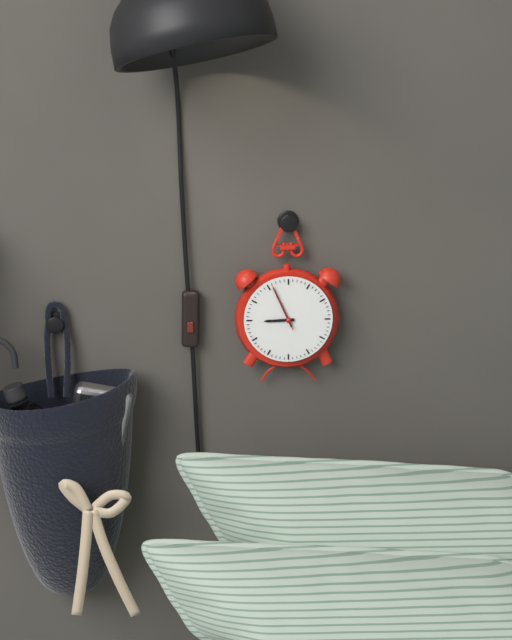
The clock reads {"hour": 8, "minute": 56}
